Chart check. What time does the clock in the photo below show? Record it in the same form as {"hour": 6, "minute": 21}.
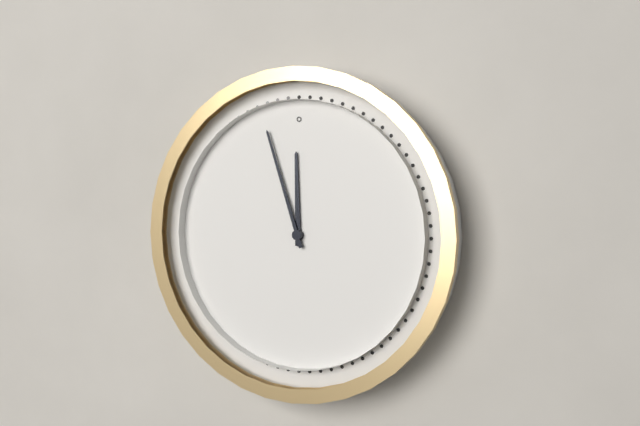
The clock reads {"hour": 11, "minute": 57}
